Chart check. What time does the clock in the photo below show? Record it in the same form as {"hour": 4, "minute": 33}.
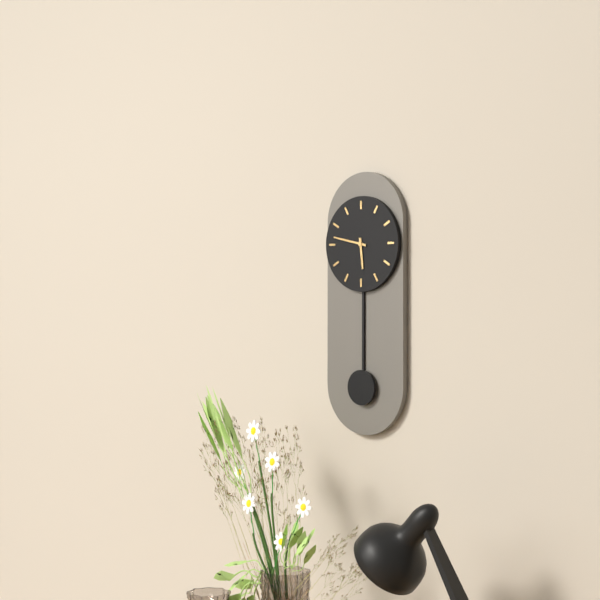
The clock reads {"hour": 5, "minute": 47}
